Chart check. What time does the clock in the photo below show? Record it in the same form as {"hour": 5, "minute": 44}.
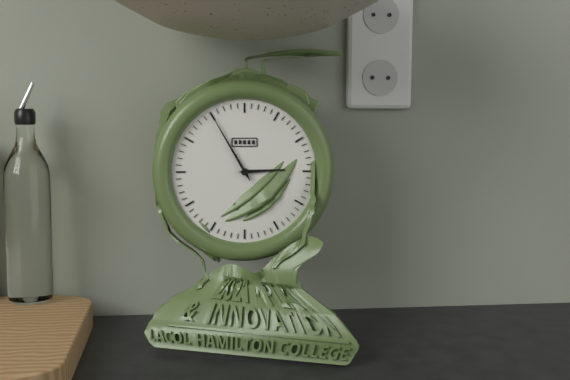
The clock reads {"hour": 2, "minute": 55}
